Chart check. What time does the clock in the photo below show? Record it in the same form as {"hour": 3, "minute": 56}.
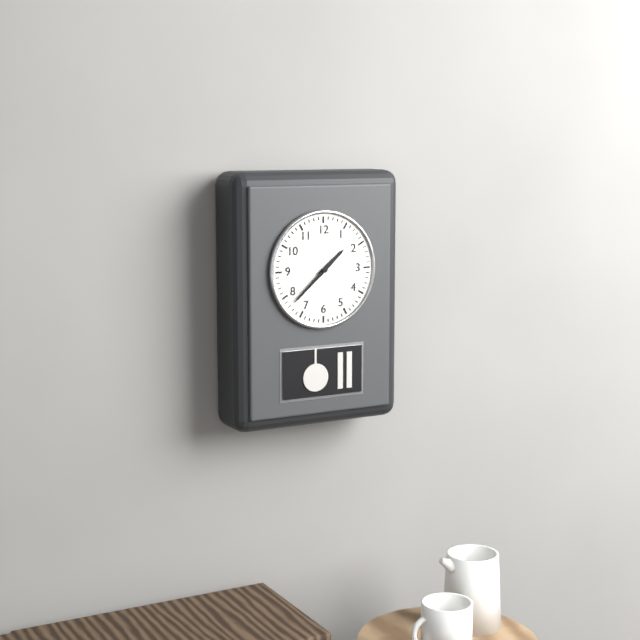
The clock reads {"hour": 1, "minute": 38}
